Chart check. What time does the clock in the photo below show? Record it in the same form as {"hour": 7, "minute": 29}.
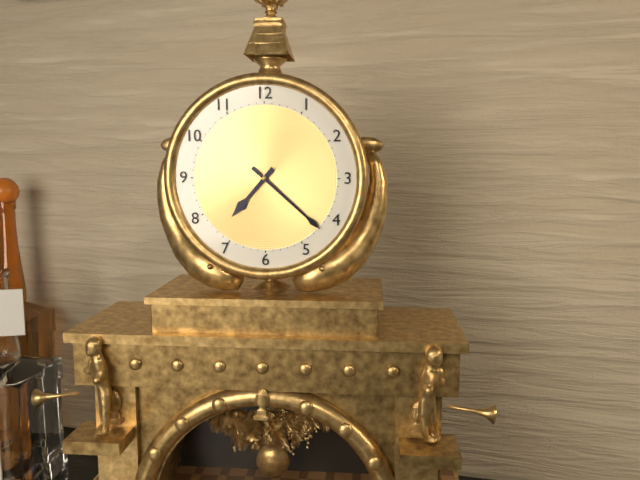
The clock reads {"hour": 7, "minute": 22}
